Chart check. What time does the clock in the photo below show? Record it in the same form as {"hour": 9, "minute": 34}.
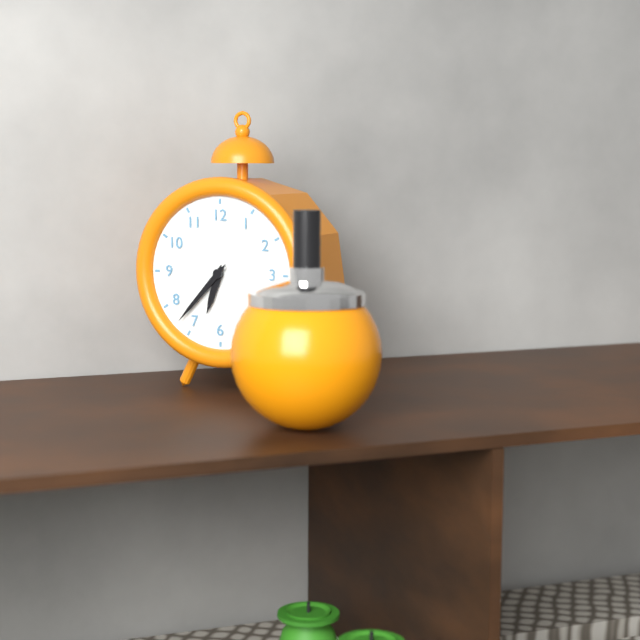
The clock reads {"hour": 6, "minute": 37}
